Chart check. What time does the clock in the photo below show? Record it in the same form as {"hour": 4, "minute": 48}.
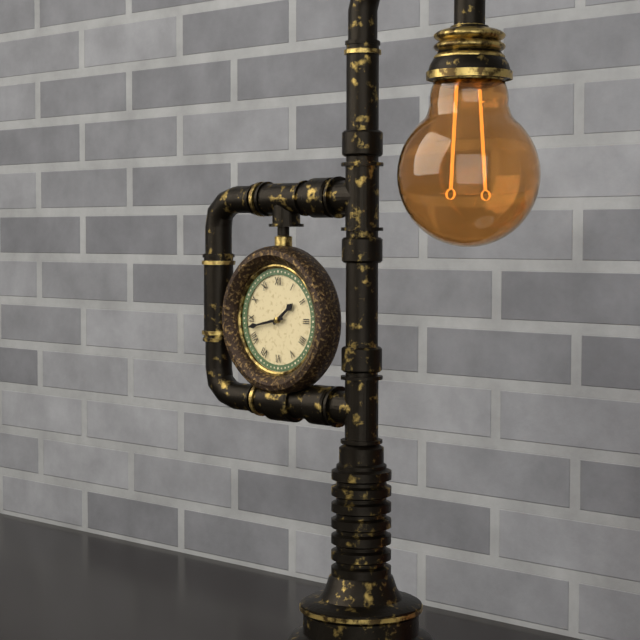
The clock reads {"hour": 1, "minute": 43}
